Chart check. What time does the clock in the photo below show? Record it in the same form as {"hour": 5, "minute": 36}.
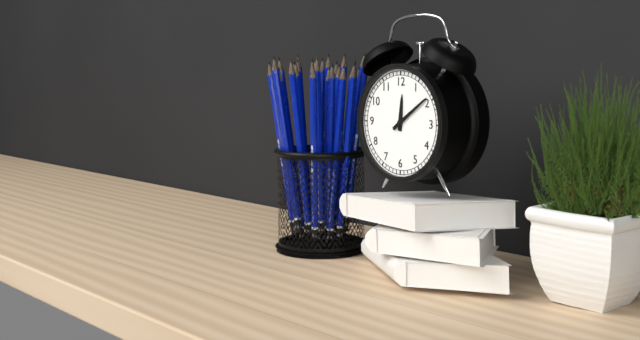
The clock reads {"hour": 12, "minute": 9}
